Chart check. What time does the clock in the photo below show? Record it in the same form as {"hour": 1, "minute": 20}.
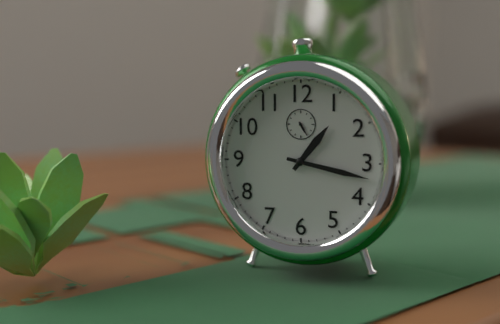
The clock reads {"hour": 1, "minute": 17}
